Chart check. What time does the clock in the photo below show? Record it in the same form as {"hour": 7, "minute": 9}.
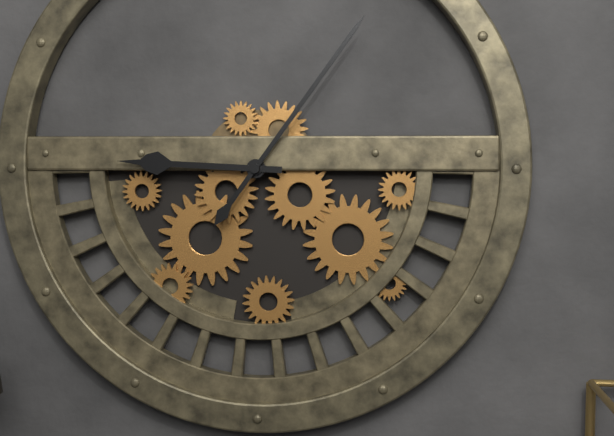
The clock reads {"hour": 9, "minute": 6}
